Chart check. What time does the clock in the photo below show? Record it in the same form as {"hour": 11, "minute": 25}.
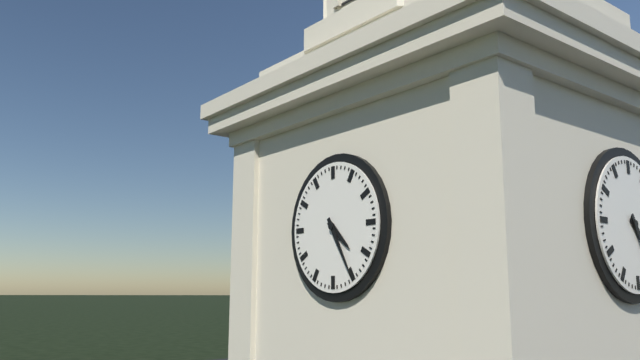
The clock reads {"hour": 4, "minute": 25}
